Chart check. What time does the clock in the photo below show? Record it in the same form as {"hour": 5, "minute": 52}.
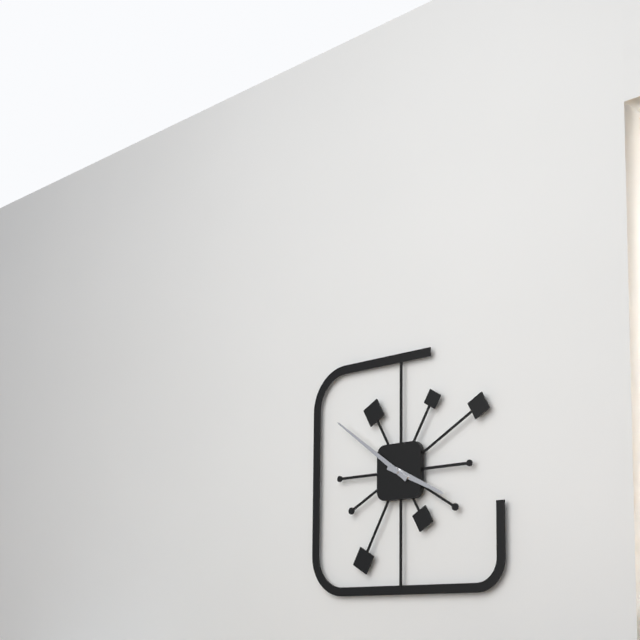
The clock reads {"hour": 3, "minute": 51}
